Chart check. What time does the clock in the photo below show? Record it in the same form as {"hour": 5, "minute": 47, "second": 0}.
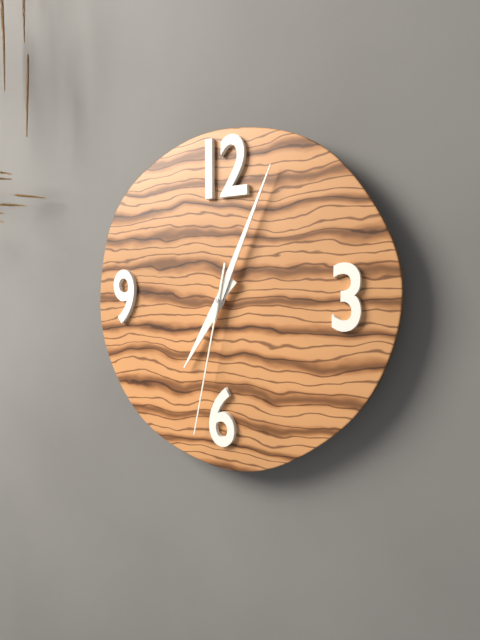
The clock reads {"hour": 7, "minute": 4, "second": 32}
